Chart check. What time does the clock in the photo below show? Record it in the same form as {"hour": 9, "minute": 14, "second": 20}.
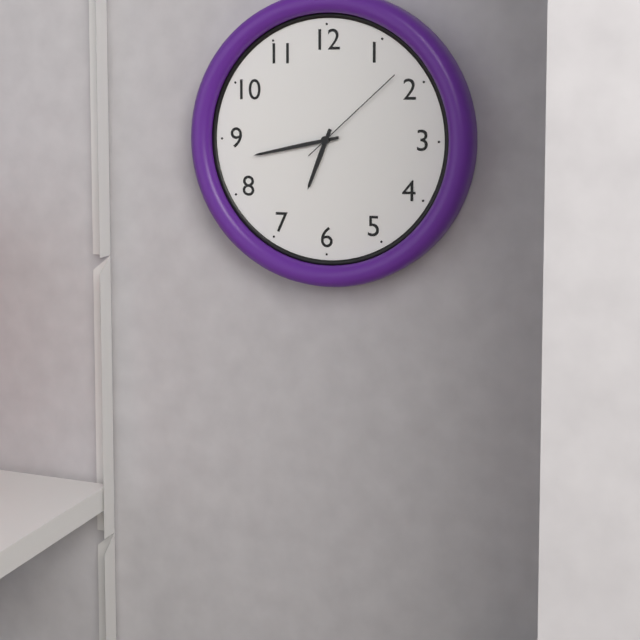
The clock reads {"hour": 6, "minute": 43, "second": 8}
